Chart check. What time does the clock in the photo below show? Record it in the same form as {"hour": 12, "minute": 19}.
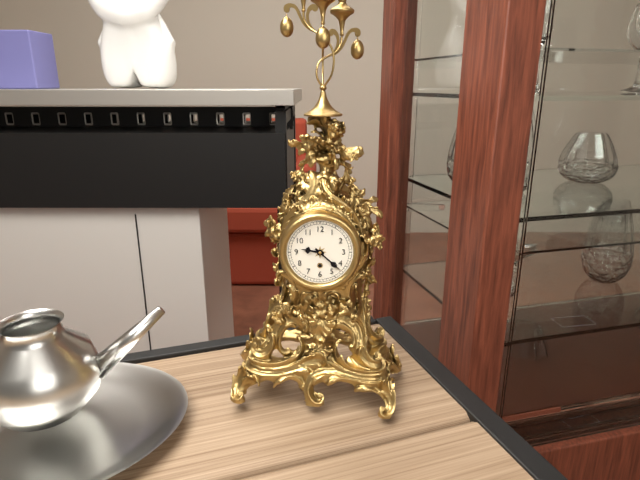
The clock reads {"hour": 9, "minute": 22}
